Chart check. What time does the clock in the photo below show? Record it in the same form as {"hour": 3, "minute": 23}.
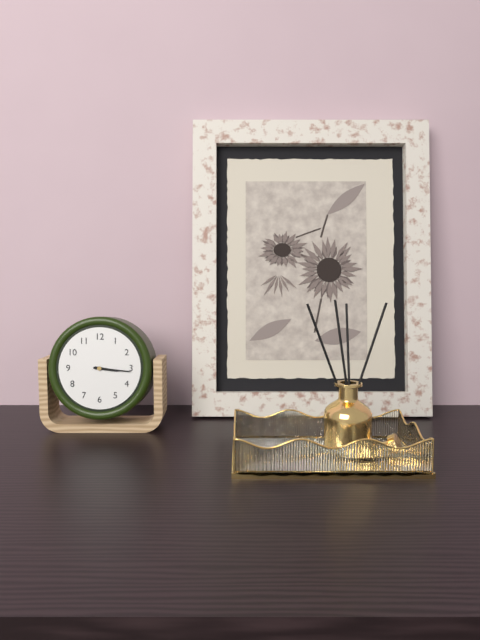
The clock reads {"hour": 3, "minute": 16}
